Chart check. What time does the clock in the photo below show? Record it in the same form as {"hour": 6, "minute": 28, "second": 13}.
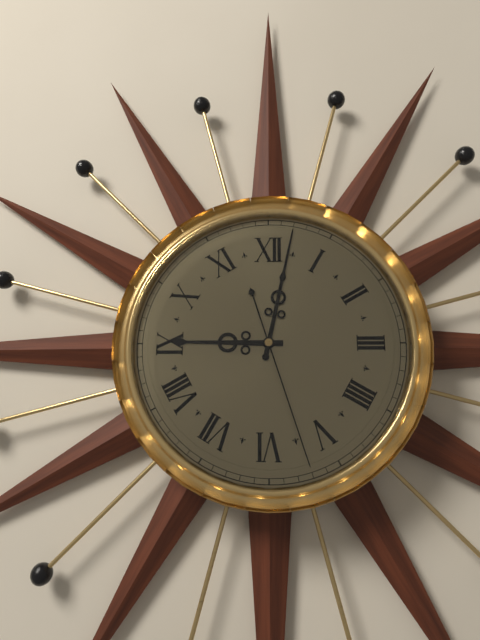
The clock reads {"hour": 9, "minute": 2, "second": 27}
